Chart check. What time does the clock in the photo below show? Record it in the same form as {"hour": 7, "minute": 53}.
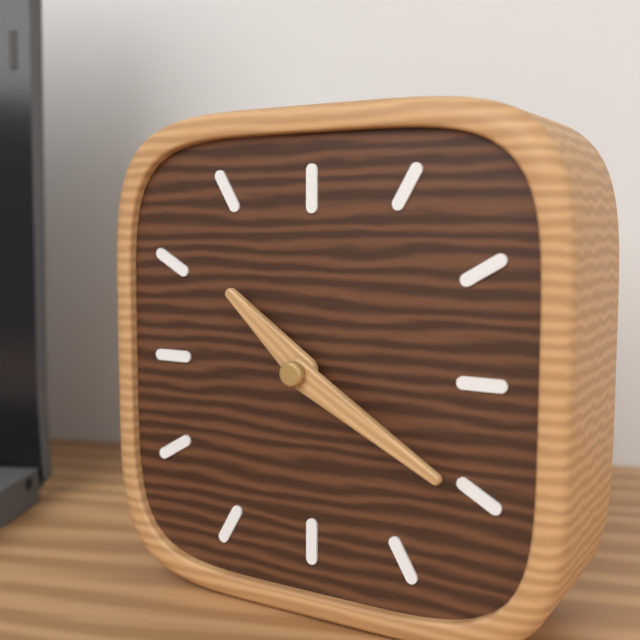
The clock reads {"hour": 10, "minute": 20}
